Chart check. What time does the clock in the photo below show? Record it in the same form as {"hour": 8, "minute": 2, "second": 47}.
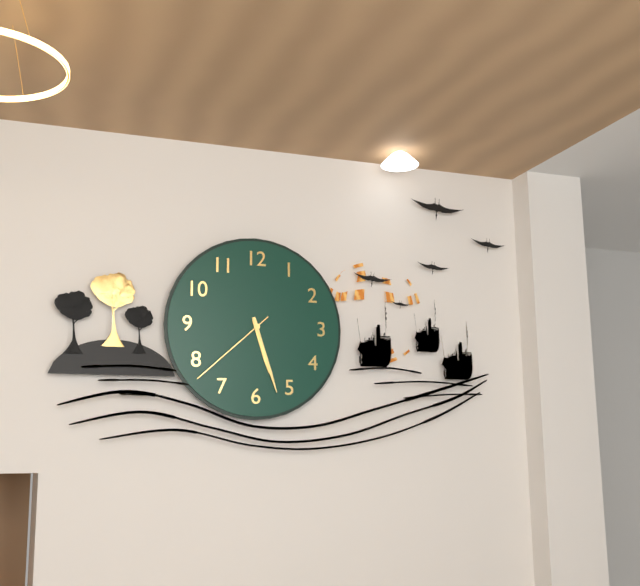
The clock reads {"hour": 5, "minute": 27, "second": 38}
